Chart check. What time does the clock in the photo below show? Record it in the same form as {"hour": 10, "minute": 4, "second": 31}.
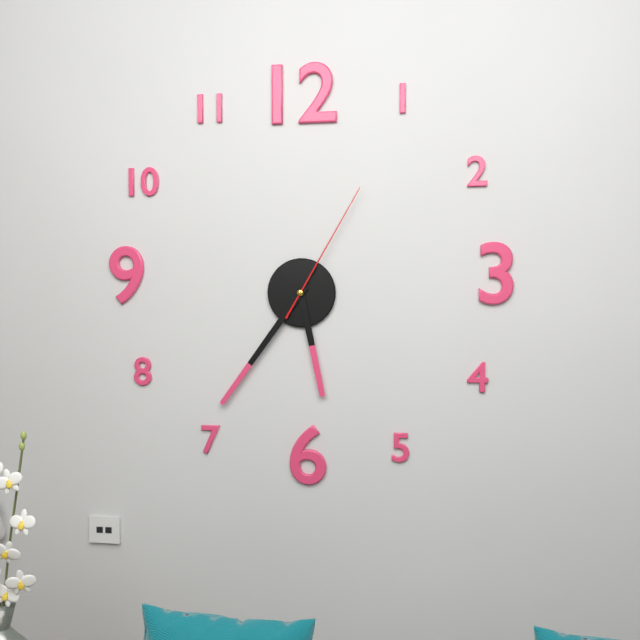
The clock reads {"hour": 5, "minute": 36, "second": 5}
